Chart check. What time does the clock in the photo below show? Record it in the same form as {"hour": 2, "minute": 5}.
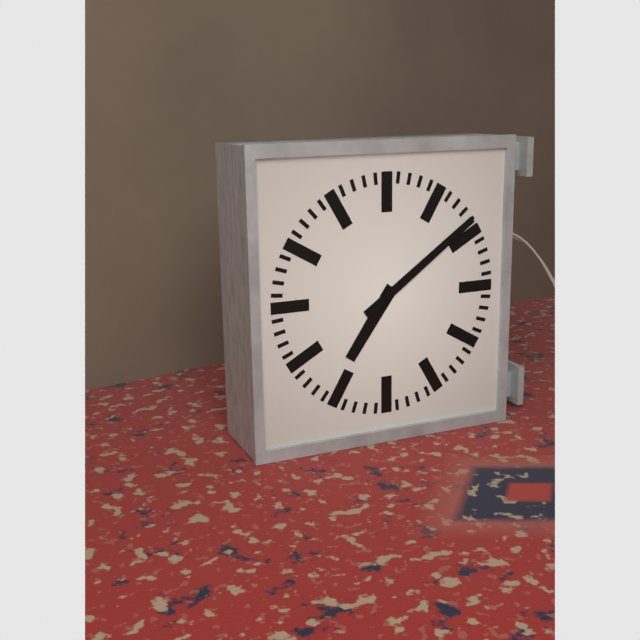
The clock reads {"hour": 7, "minute": 9}
